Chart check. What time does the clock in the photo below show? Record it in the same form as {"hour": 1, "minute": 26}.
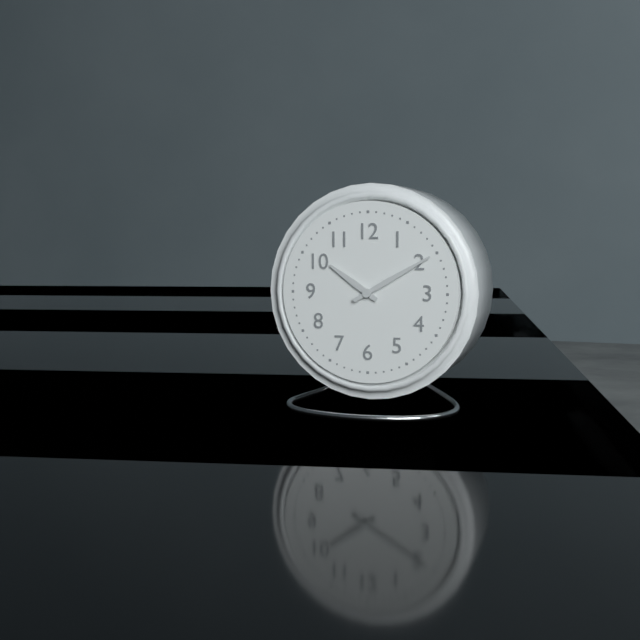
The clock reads {"hour": 10, "minute": 10}
